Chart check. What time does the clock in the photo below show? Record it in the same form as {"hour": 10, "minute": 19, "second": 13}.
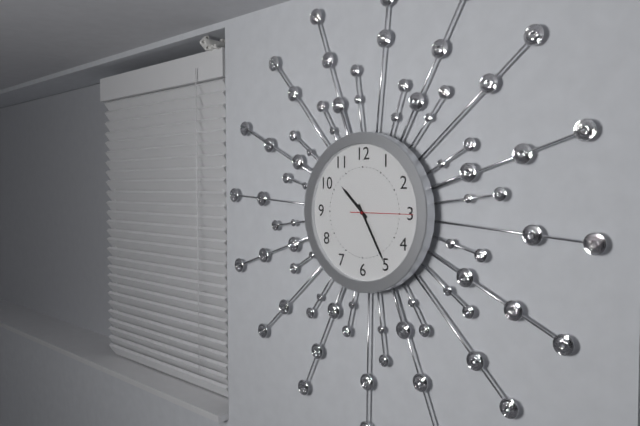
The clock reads {"hour": 10, "minute": 25, "second": 15}
